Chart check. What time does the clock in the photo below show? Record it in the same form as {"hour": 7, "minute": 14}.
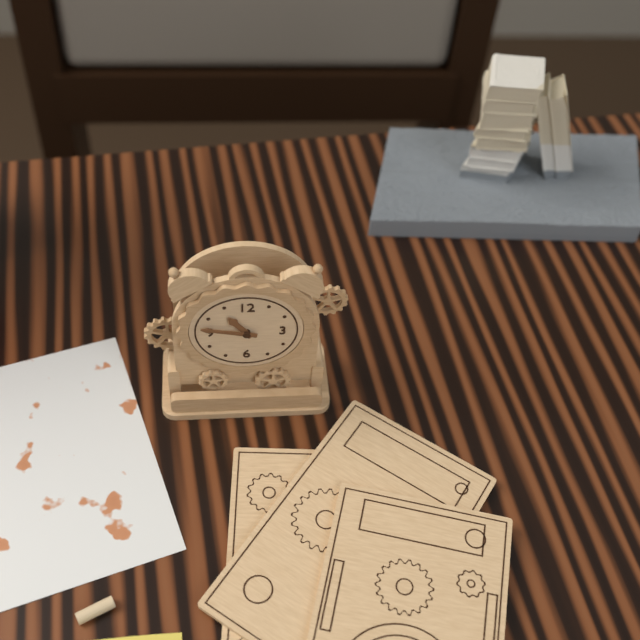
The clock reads {"hour": 10, "minute": 47}
